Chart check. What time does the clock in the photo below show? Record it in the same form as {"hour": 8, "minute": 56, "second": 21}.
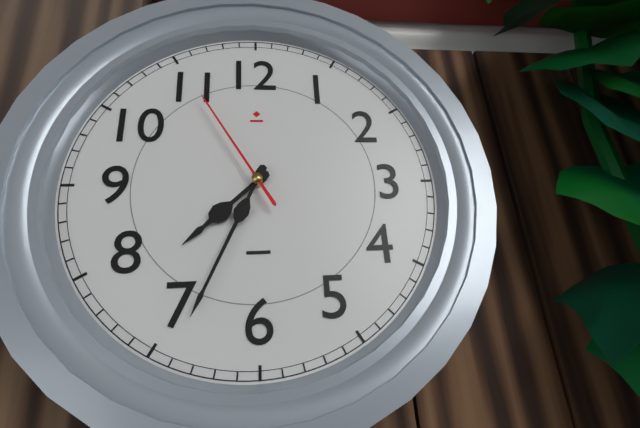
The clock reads {"hour": 7, "minute": 34, "second": 55}
